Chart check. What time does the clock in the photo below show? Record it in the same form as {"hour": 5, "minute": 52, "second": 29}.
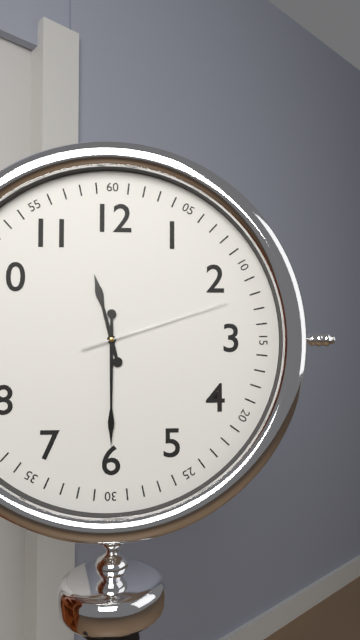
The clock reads {"hour": 11, "minute": 30, "second": 12}
